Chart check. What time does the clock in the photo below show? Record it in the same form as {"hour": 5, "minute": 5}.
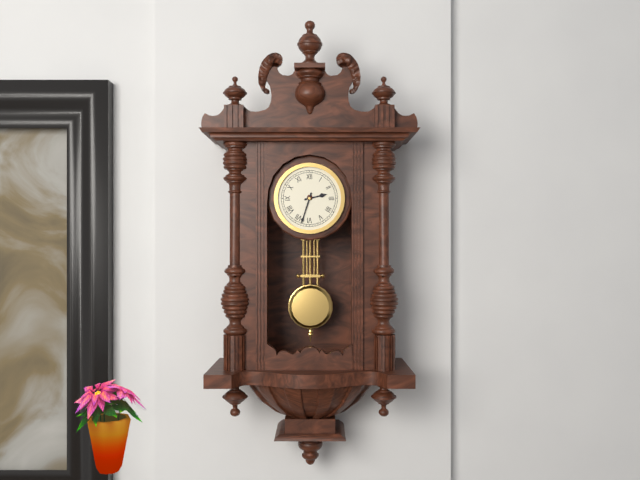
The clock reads {"hour": 2, "minute": 33}
